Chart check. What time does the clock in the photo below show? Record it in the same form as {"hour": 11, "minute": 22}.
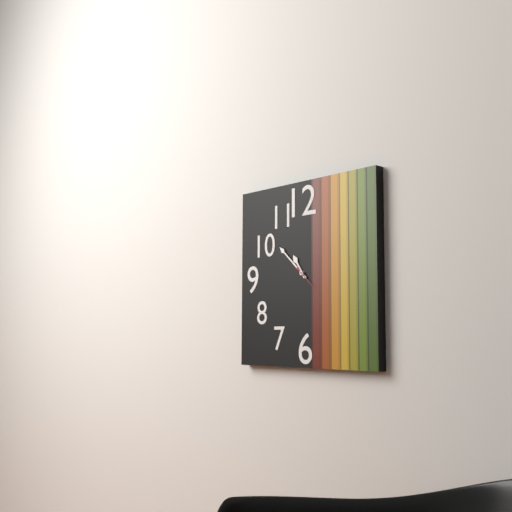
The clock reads {"hour": 10, "minute": 52}
